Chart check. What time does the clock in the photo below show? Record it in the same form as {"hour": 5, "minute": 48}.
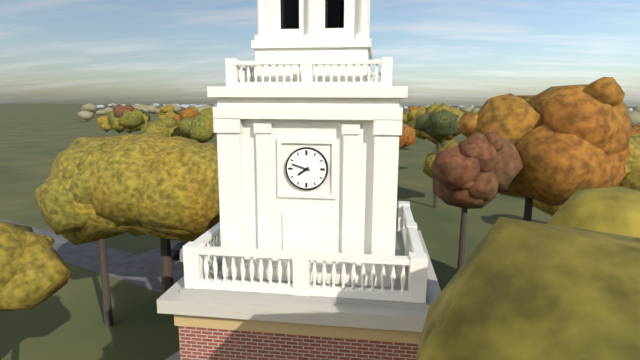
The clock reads {"hour": 7, "minute": 48}
